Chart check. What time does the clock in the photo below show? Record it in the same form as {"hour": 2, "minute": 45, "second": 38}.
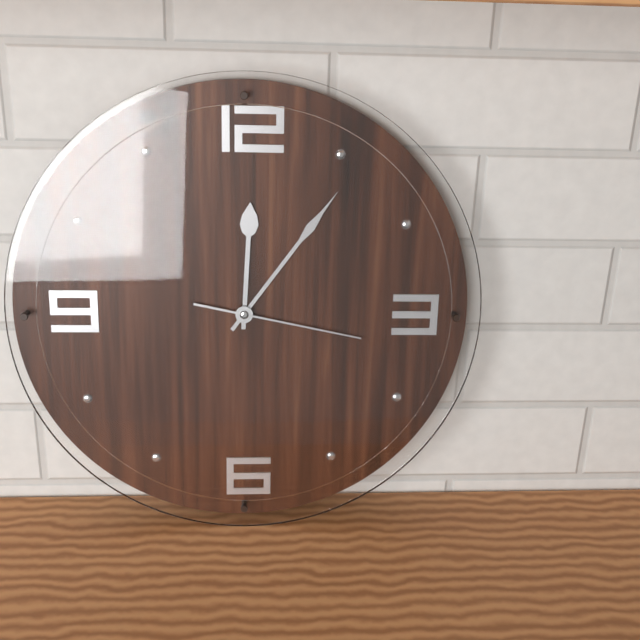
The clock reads {"hour": 12, "minute": 6, "second": 17}
